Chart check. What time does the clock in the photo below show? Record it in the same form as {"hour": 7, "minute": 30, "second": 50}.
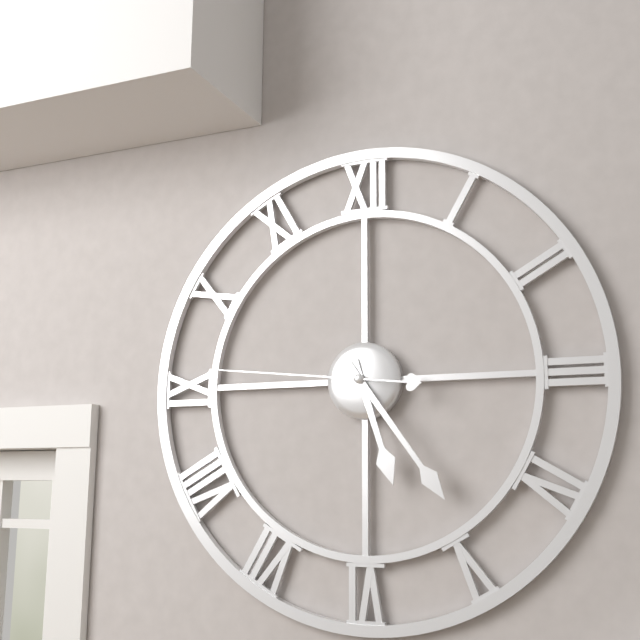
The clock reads {"hour": 5, "minute": 24, "second": 46}
